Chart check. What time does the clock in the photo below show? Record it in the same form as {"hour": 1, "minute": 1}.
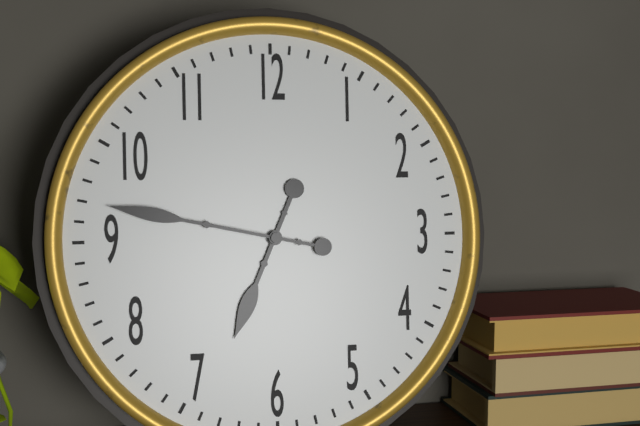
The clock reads {"hour": 6, "minute": 47}
